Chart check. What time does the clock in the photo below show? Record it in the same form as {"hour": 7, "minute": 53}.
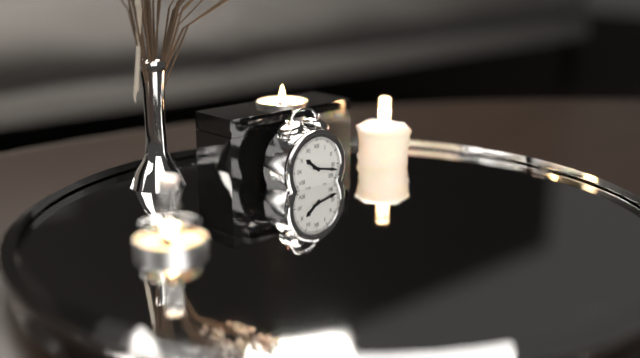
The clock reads {"hour": 10, "minute": 17}
